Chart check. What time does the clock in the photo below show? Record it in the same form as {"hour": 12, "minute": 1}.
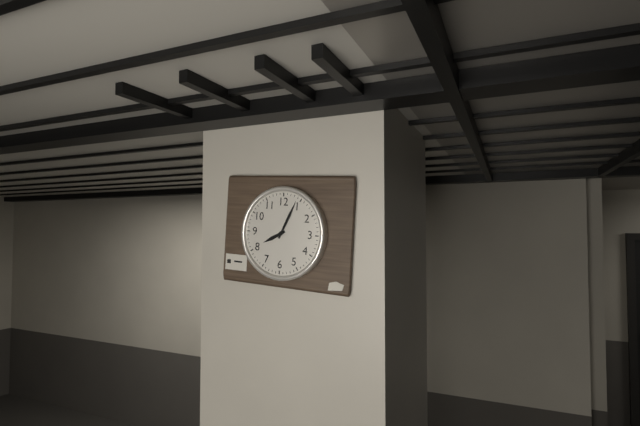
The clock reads {"hour": 8, "minute": 4}
